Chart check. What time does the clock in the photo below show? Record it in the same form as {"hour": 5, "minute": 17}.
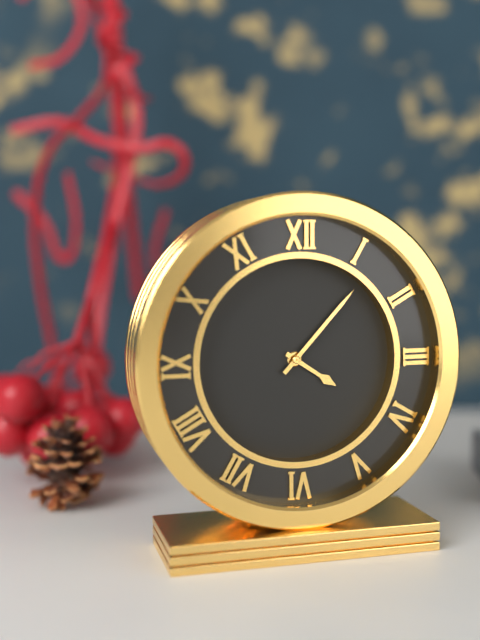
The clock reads {"hour": 4, "minute": 7}
